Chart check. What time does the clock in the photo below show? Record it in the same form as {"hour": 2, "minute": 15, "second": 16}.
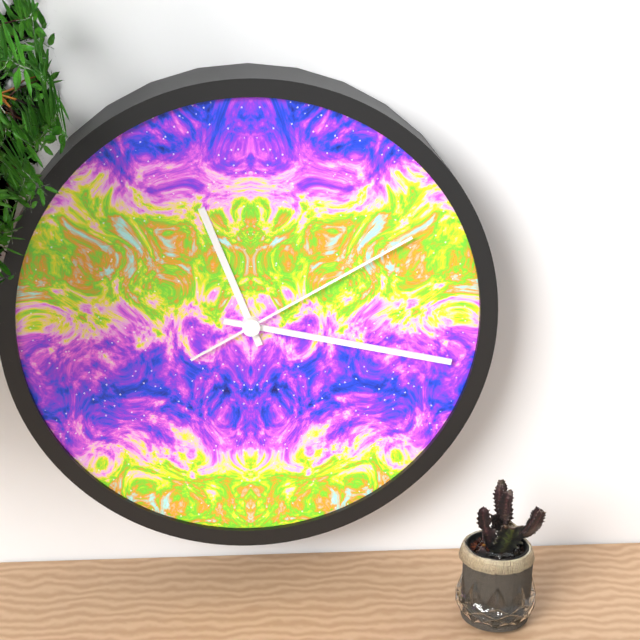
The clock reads {"hour": 11, "minute": 17, "second": 10}
